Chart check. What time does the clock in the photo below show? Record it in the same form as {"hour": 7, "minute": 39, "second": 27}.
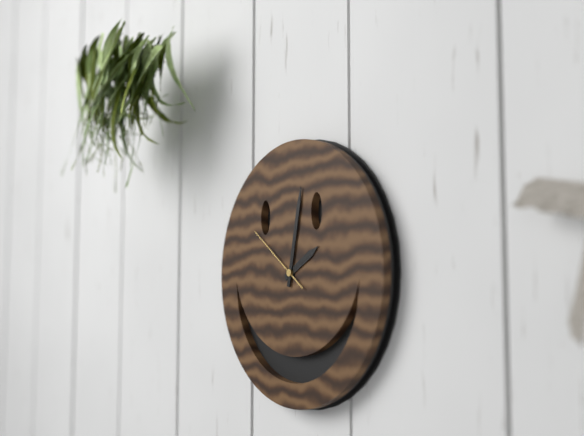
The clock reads {"hour": 2, "minute": 2, "second": 51}
